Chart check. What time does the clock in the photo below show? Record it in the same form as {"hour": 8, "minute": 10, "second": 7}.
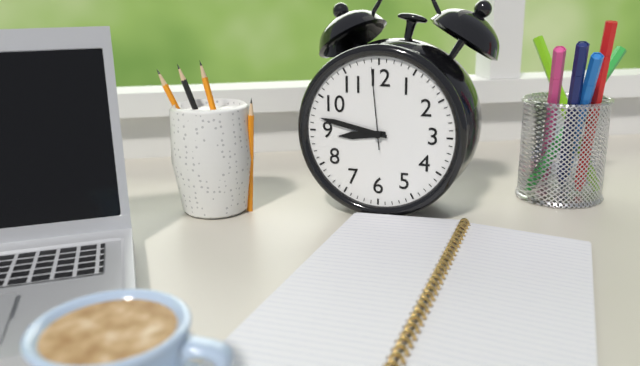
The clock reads {"hour": 8, "minute": 47, "second": 59}
